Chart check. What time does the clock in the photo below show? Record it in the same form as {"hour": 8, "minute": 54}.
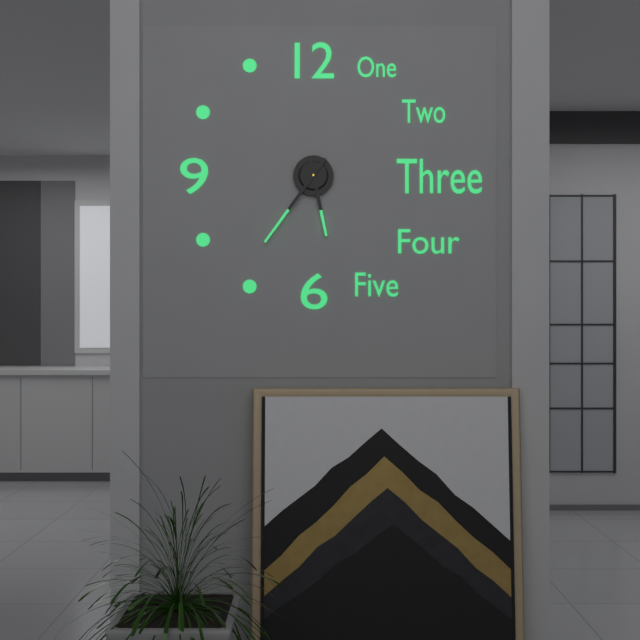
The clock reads {"hour": 5, "minute": 36}
